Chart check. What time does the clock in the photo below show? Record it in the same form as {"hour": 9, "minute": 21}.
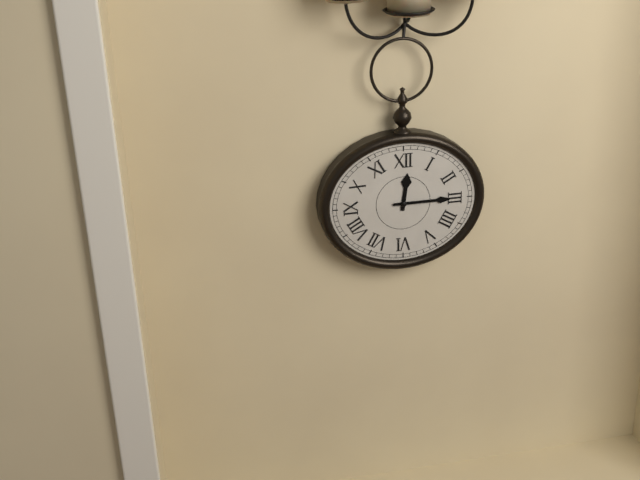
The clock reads {"hour": 12, "minute": 15}
